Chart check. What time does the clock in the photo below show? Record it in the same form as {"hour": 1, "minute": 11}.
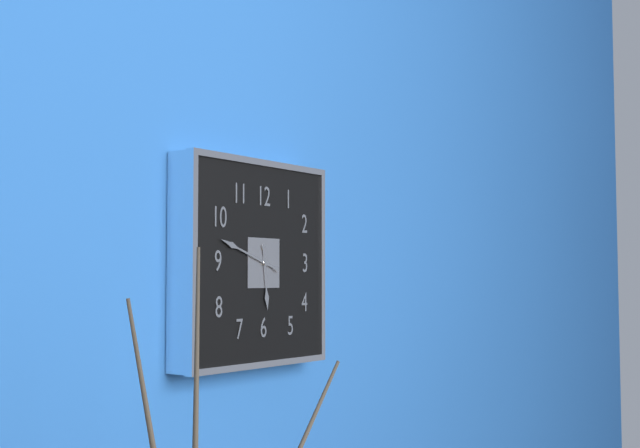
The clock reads {"hour": 5, "minute": 48}
